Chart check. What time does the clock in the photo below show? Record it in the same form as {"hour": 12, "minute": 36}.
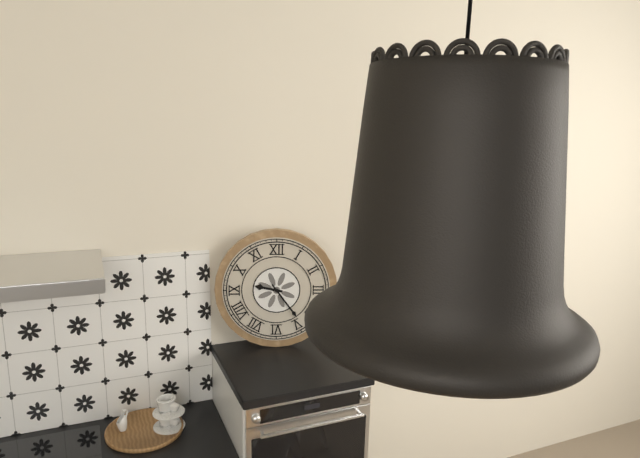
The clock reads {"hour": 9, "minute": 24}
